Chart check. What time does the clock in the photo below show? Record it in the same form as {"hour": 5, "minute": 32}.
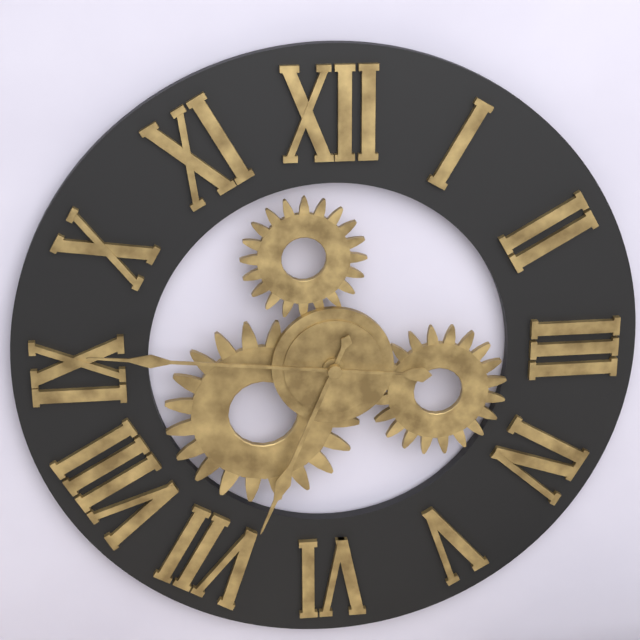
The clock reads {"hour": 6, "minute": 46}
